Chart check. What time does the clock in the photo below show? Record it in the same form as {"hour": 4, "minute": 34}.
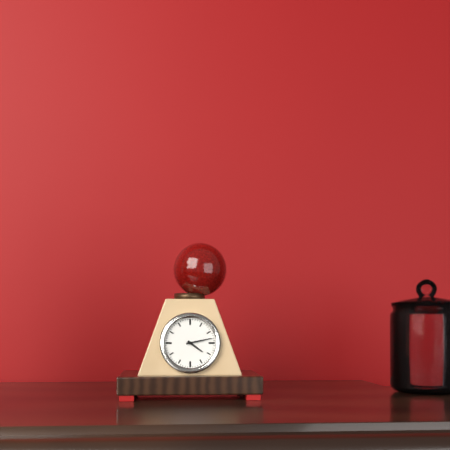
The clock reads {"hour": 4, "minute": 13}
